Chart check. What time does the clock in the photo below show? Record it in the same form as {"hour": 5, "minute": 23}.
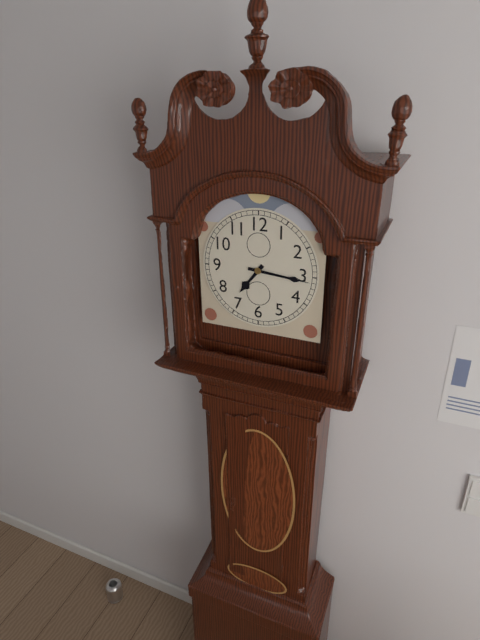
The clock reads {"hour": 7, "minute": 16}
